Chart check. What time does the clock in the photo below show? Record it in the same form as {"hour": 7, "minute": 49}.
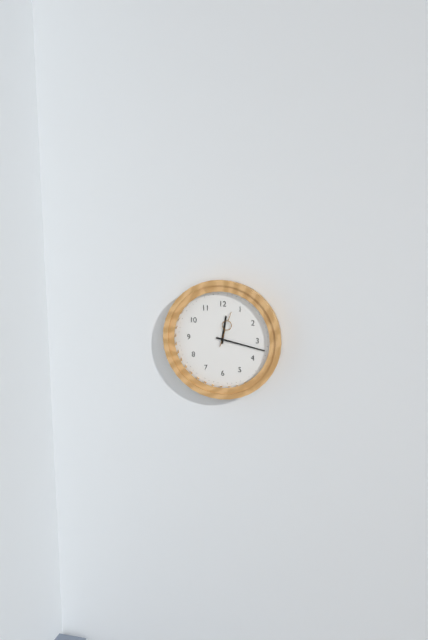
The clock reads {"hour": 12, "minute": 17}
